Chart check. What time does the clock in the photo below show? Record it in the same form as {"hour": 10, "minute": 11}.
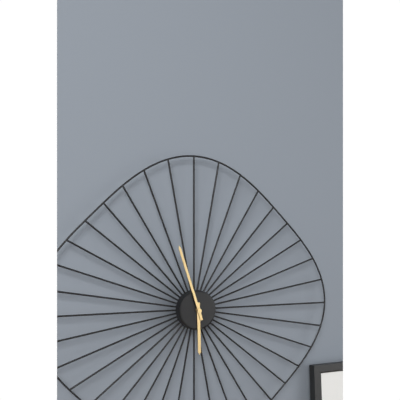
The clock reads {"hour": 5, "minute": 57}
